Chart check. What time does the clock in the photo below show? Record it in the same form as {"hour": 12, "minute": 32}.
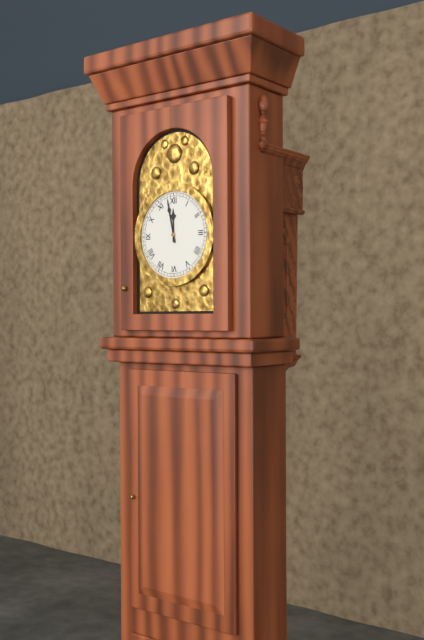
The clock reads {"hour": 11, "minute": 58}
